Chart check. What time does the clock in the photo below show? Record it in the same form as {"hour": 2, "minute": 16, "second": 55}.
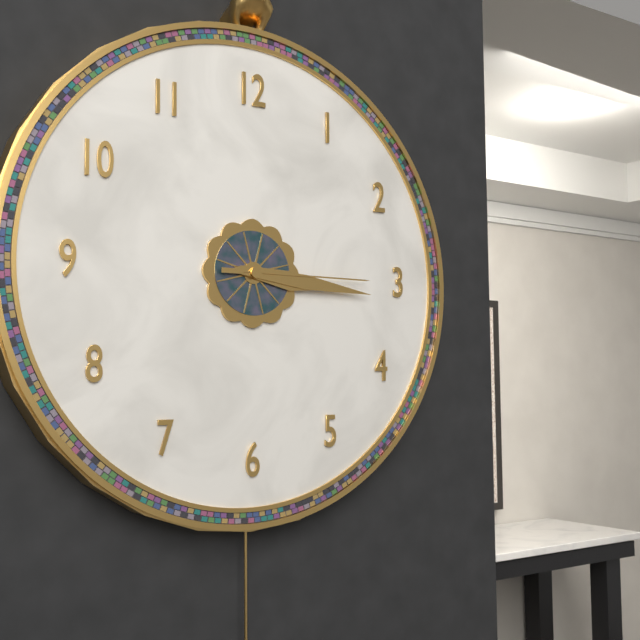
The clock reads {"hour": 3, "minute": 16, "second": 15}
